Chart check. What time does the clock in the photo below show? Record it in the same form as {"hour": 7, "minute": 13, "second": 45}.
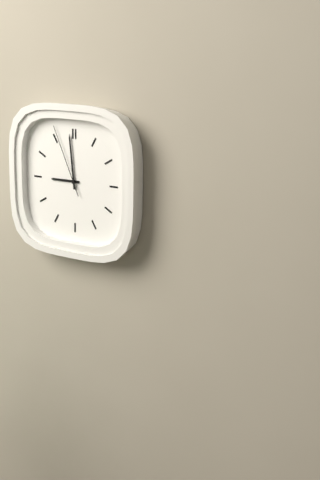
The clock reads {"hour": 8, "minute": 59, "second": 56}
